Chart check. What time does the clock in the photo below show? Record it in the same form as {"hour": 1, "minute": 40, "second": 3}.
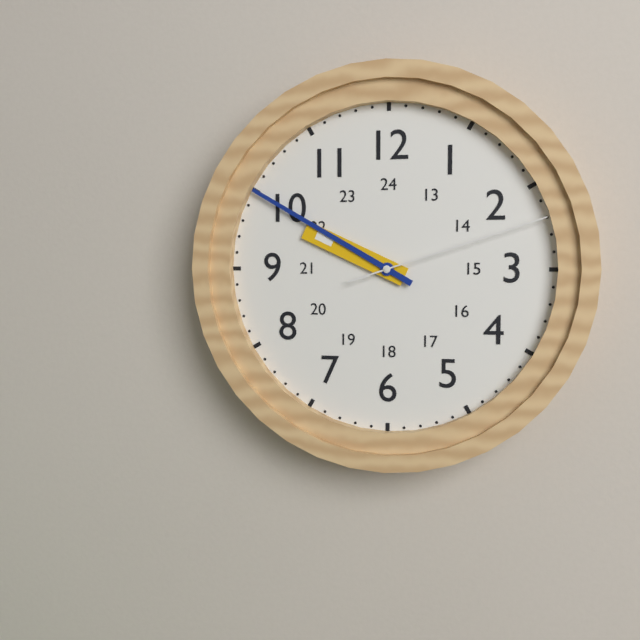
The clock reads {"hour": 9, "minute": 50, "second": 12}
